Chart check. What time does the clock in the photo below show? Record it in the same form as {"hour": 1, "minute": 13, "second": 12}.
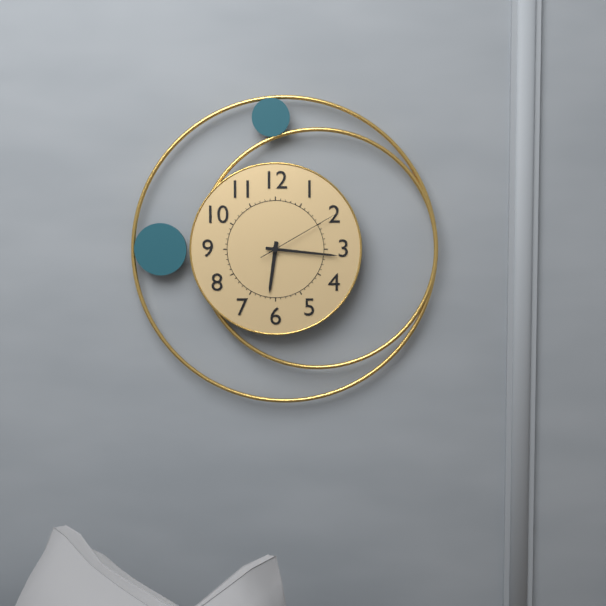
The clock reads {"hour": 6, "minute": 16, "second": 10}
